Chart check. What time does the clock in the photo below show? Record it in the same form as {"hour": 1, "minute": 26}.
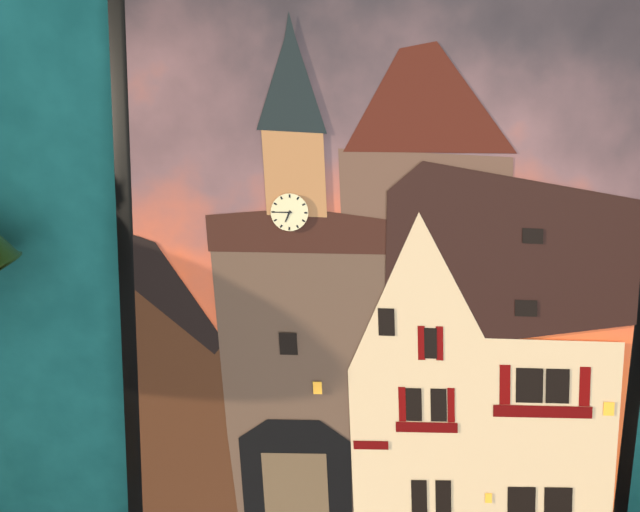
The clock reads {"hour": 6, "minute": 45}
